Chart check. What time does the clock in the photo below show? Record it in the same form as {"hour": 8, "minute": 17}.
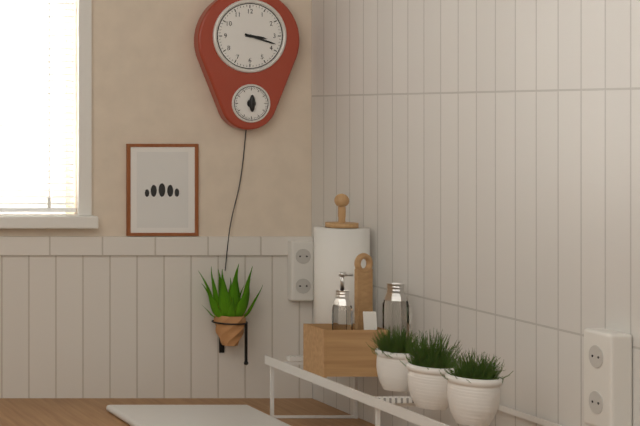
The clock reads {"hour": 3, "minute": 18}
